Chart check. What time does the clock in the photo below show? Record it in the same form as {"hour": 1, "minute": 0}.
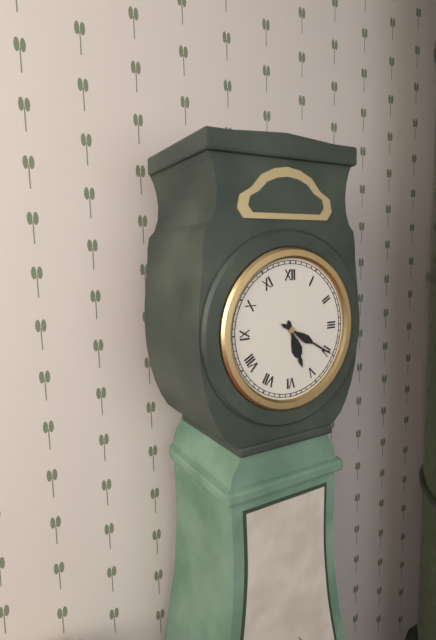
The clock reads {"hour": 5, "minute": 20}
